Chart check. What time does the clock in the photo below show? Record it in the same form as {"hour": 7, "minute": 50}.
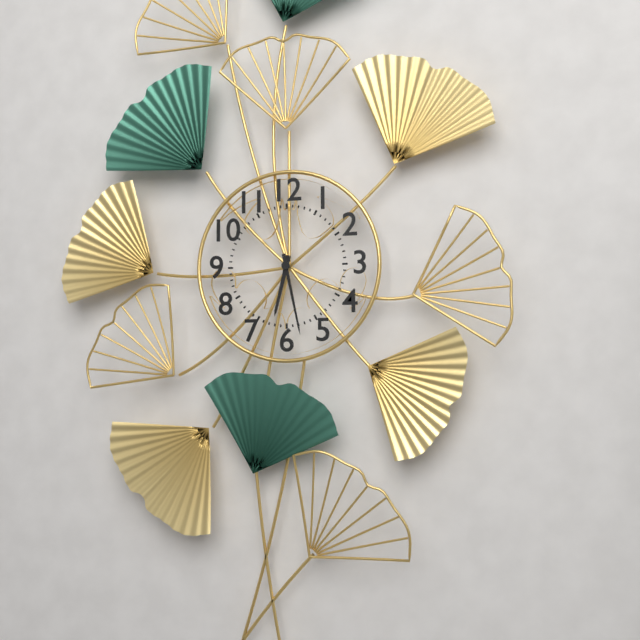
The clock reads {"hour": 6, "minute": 28}
